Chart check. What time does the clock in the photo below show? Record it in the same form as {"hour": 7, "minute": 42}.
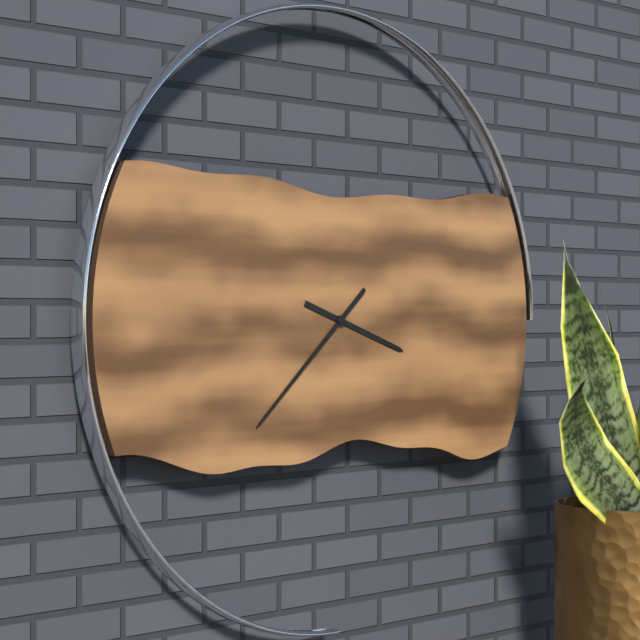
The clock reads {"hour": 3, "minute": 38}
